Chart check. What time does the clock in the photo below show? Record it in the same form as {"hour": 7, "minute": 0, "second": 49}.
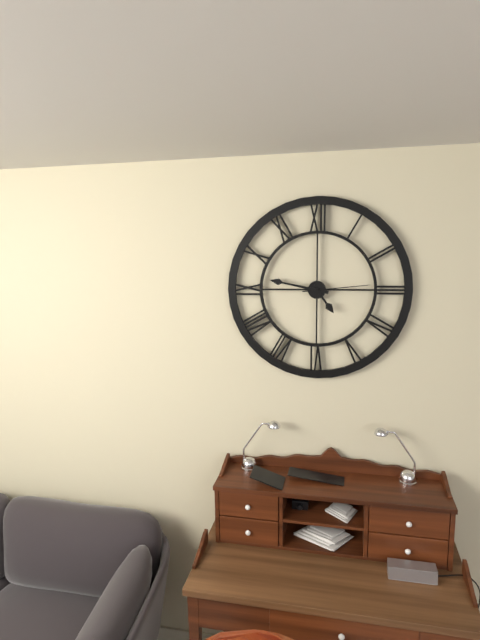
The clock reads {"hour": 4, "minute": 47, "second": 14}
